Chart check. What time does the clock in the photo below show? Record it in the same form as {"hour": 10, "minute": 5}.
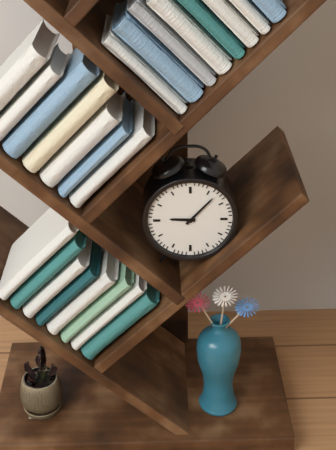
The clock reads {"hour": 9, "minute": 7}
